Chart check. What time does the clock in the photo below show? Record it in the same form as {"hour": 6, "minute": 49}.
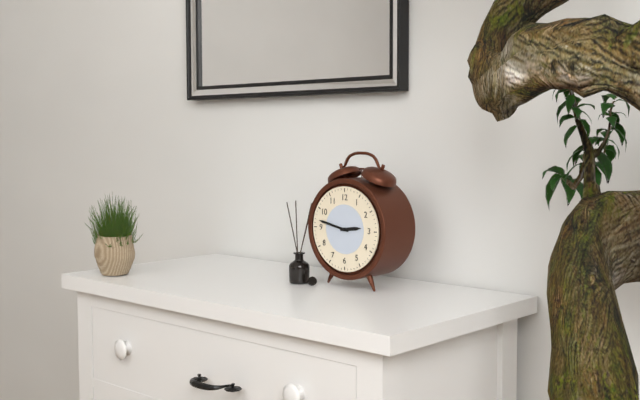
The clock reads {"hour": 2, "minute": 47}
